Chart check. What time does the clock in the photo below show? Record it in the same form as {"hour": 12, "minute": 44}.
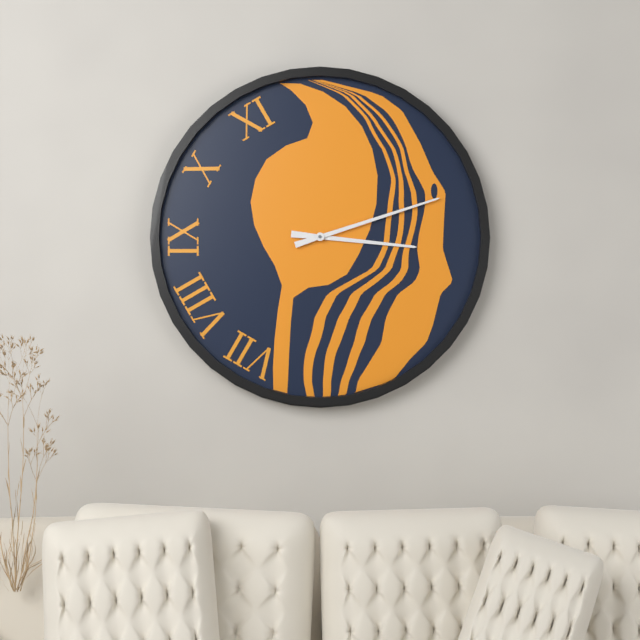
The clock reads {"hour": 3, "minute": 12}
